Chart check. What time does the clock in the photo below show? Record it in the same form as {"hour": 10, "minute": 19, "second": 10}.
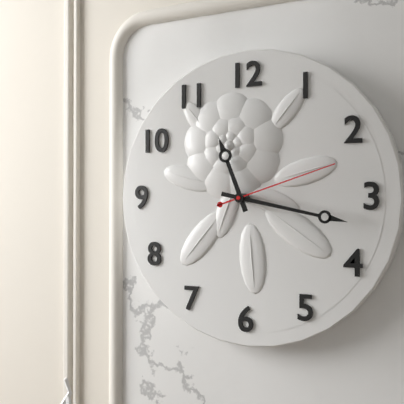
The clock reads {"hour": 11, "minute": 17, "second": 12}
